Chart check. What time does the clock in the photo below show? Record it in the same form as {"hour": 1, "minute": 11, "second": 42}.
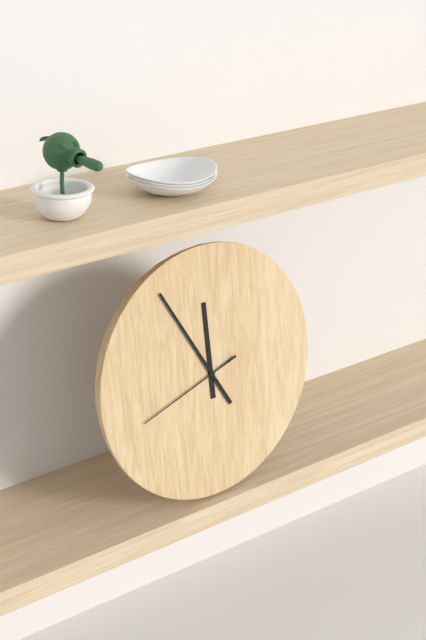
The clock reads {"hour": 11, "minute": 55, "second": 42}
